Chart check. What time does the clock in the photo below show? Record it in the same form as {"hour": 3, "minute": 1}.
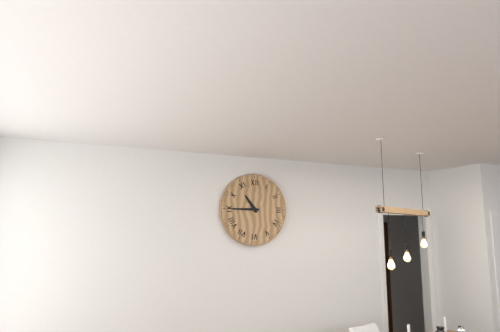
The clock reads {"hour": 10, "minute": 45}
